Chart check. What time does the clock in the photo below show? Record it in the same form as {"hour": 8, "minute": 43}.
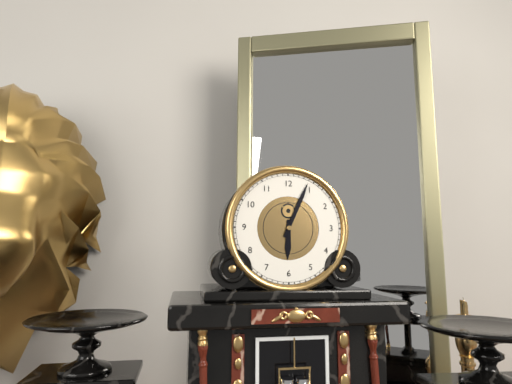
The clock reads {"hour": 6, "minute": 4}
